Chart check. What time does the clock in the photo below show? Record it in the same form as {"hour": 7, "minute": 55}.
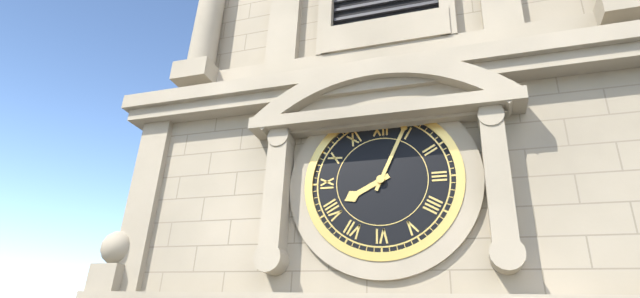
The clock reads {"hour": 8, "minute": 4}
